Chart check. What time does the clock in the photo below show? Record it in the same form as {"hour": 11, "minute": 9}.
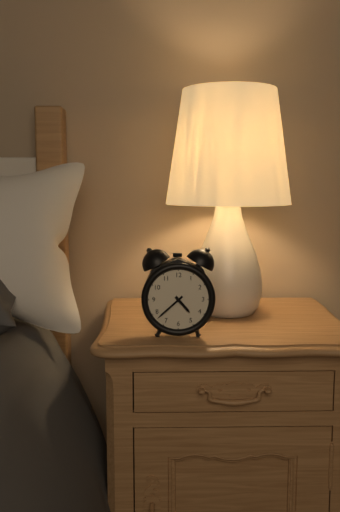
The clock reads {"hour": 4, "minute": 38}
